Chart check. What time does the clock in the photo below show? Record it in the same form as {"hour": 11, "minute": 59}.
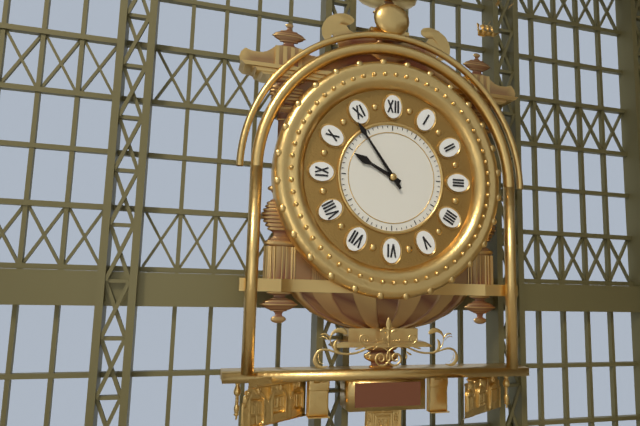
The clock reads {"hour": 9, "minute": 54}
